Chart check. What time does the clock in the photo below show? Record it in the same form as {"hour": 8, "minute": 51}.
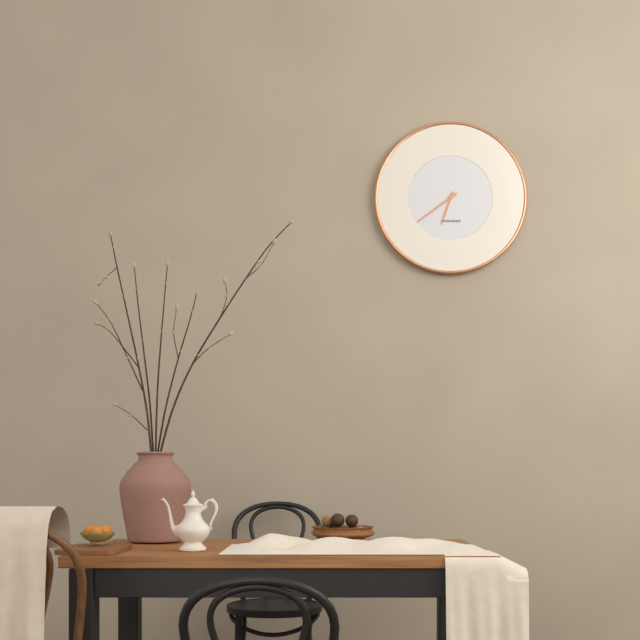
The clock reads {"hour": 6, "minute": 39}
